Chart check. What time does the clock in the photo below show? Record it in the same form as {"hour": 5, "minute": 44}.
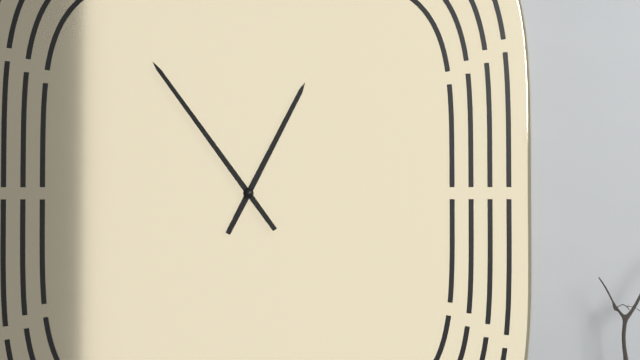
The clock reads {"hour": 12, "minute": 54}
